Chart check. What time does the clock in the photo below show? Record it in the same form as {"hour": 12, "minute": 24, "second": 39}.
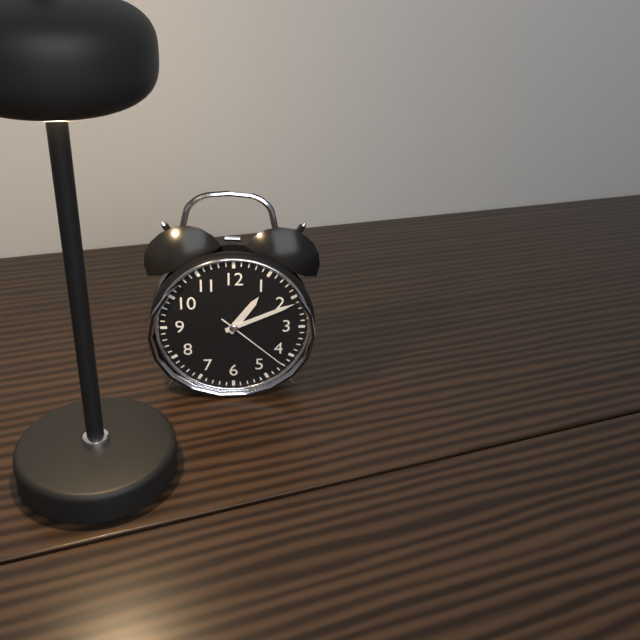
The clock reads {"hour": 1, "minute": 11, "second": 22}
